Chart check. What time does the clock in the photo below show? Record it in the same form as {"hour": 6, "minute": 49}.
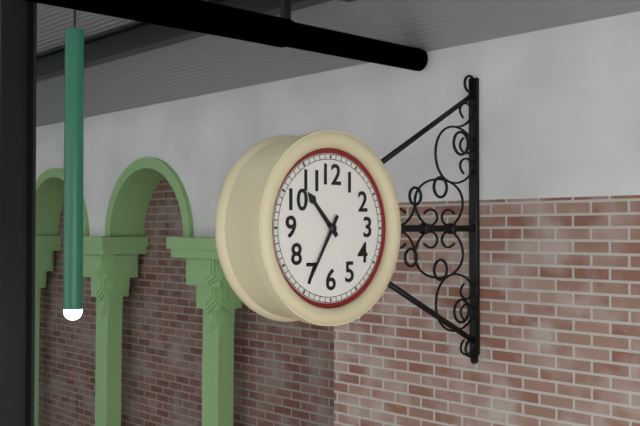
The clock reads {"hour": 10, "minute": 35}
